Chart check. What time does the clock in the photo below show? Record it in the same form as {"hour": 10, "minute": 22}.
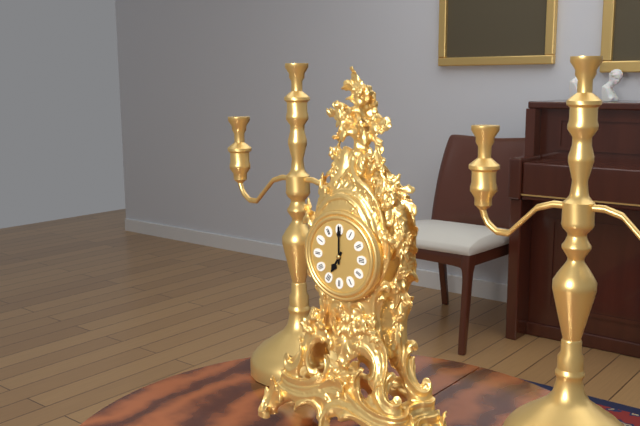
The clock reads {"hour": 7, "minute": 0}
